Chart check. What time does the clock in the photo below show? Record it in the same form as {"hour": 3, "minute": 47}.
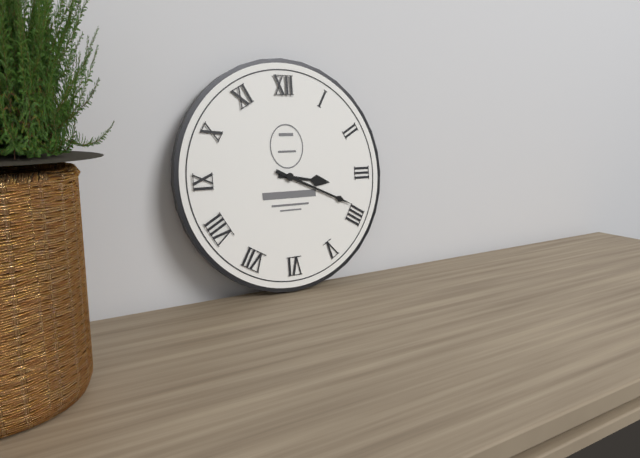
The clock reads {"hour": 3, "minute": 19}
